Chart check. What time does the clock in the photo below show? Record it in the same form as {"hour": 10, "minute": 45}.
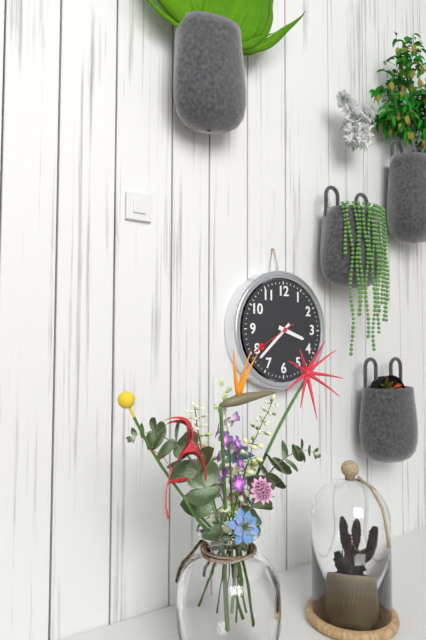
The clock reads {"hour": 3, "minute": 38}
